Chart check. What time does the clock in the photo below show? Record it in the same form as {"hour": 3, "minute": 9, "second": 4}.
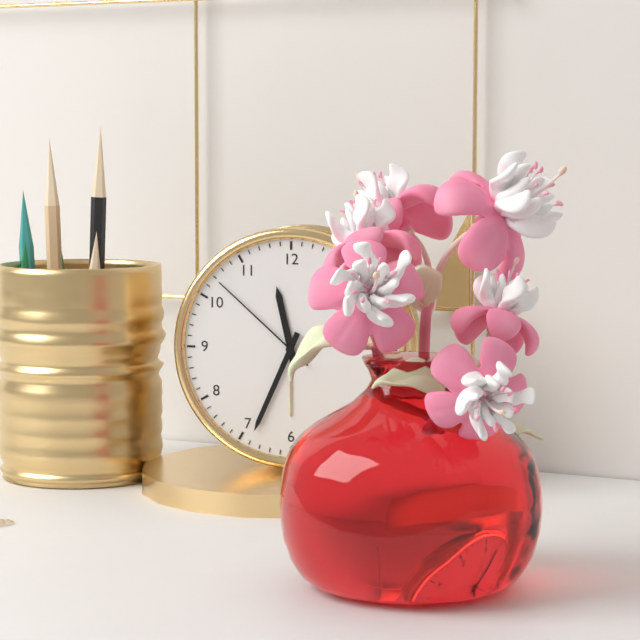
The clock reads {"hour": 11, "minute": 34, "second": 52}
